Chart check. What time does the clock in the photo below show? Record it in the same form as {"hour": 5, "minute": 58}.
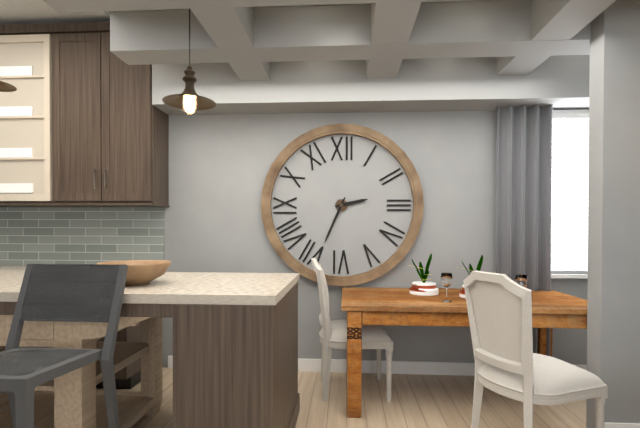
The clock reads {"hour": 2, "minute": 34}
